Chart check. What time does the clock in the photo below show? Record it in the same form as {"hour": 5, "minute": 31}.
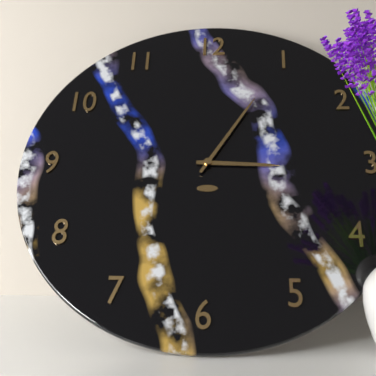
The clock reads {"hour": 3, "minute": 5}
